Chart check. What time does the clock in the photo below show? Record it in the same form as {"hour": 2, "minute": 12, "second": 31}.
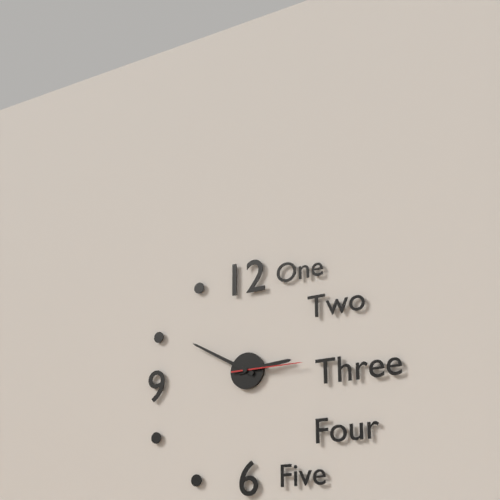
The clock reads {"hour": 2, "minute": 50, "second": 15}
